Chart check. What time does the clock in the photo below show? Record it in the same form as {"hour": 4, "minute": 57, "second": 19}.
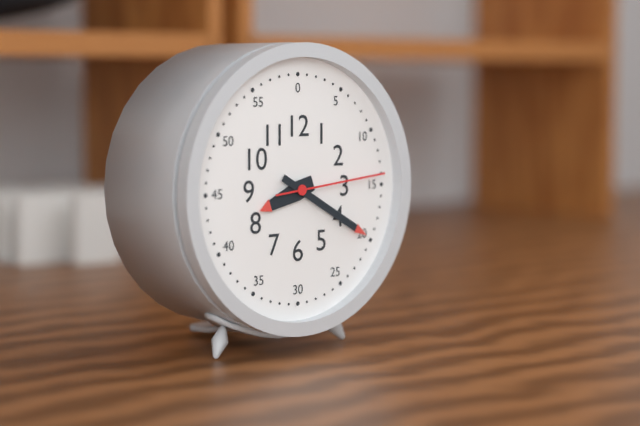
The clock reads {"hour": 8, "minute": 20, "second": 14}
